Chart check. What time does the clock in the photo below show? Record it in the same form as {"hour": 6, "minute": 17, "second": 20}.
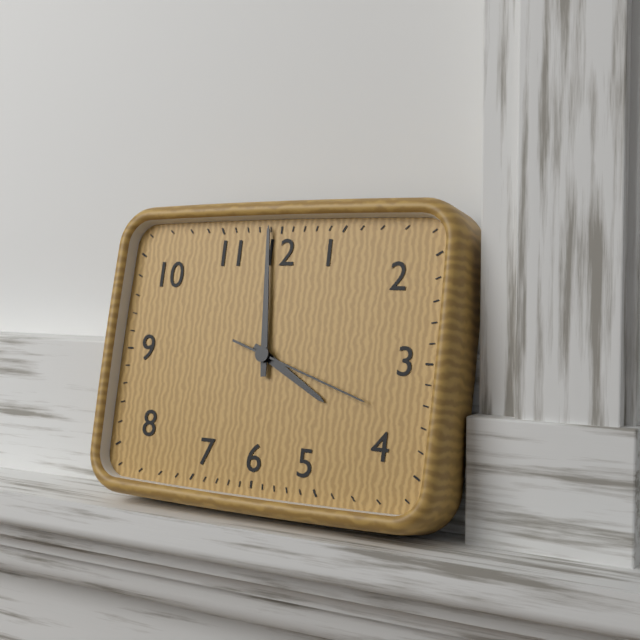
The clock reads {"hour": 3, "minute": 59, "second": 18}
